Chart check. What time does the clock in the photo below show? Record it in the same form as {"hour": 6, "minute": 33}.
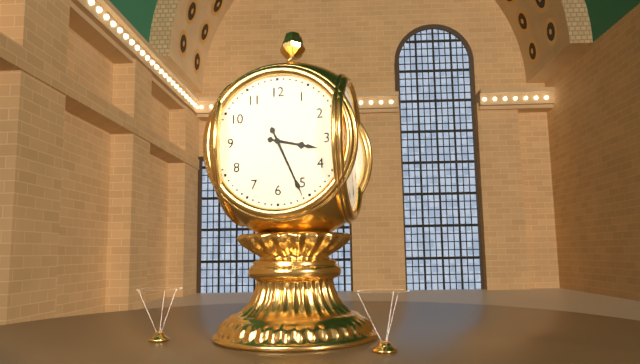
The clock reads {"hour": 3, "minute": 26}
